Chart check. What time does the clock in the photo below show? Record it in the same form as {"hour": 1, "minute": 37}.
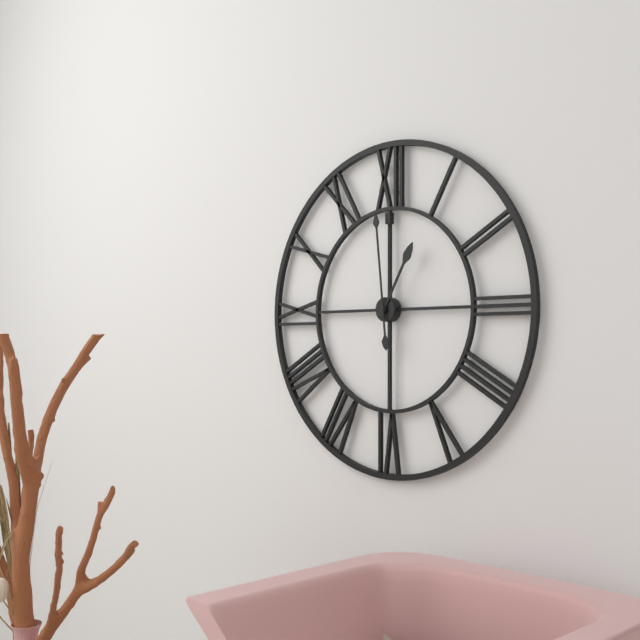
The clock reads {"hour": 12, "minute": 59}
